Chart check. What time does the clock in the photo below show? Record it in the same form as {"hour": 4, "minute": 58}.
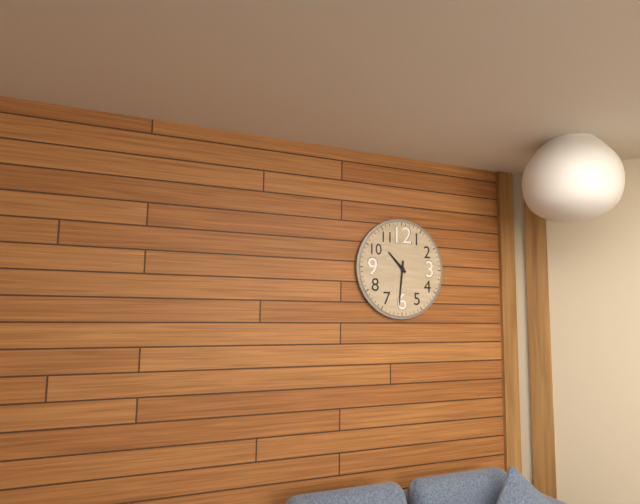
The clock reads {"hour": 10, "minute": 31}
